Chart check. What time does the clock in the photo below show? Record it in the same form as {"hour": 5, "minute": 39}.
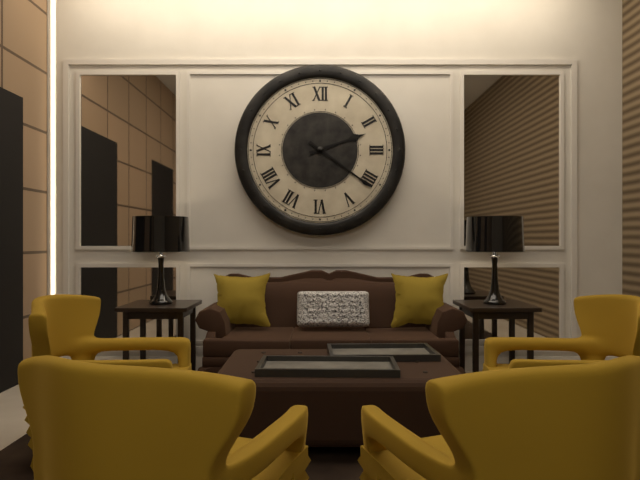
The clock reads {"hour": 2, "minute": 21}
